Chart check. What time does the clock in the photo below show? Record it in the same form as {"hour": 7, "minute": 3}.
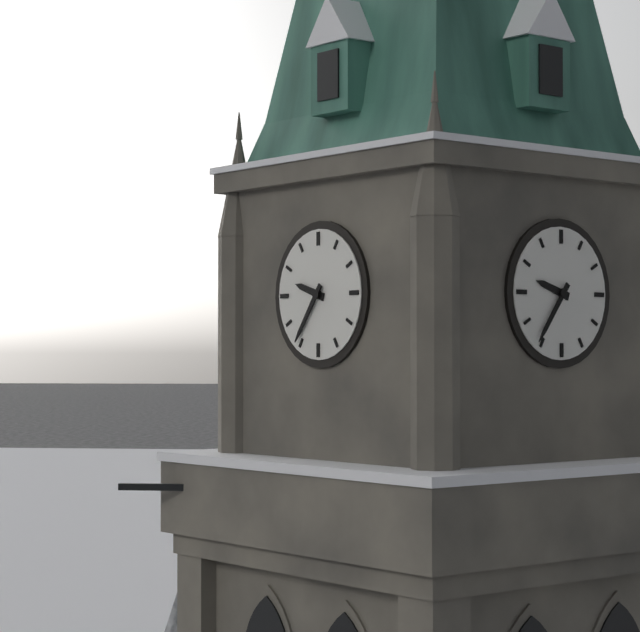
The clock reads {"hour": 9, "minute": 36}
